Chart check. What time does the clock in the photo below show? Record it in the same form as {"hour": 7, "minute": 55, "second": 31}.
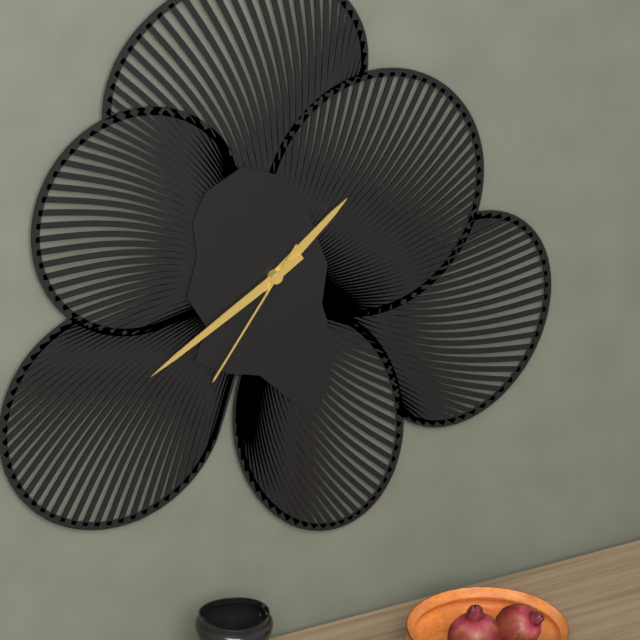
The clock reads {"hour": 1, "minute": 40, "second": 36}
